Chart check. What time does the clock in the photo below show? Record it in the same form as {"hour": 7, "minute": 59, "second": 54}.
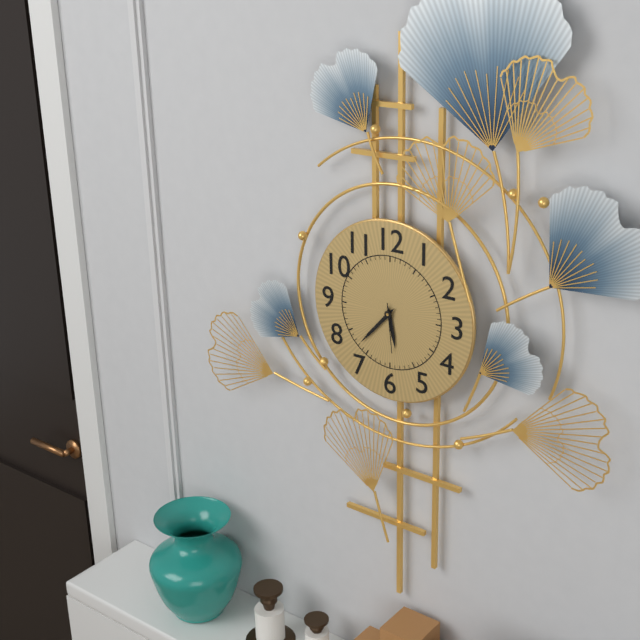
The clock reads {"hour": 5, "minute": 37, "second": 29}
